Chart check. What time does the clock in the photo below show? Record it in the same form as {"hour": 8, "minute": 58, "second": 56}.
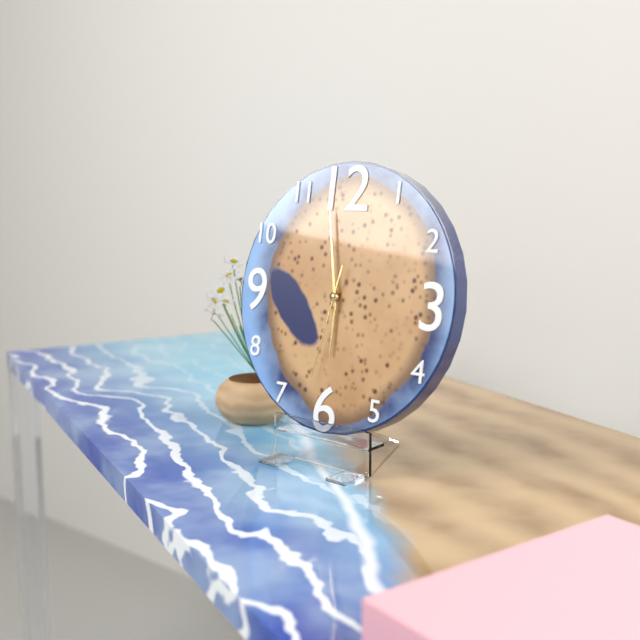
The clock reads {"hour": 5, "minute": 58, "second": 32}
